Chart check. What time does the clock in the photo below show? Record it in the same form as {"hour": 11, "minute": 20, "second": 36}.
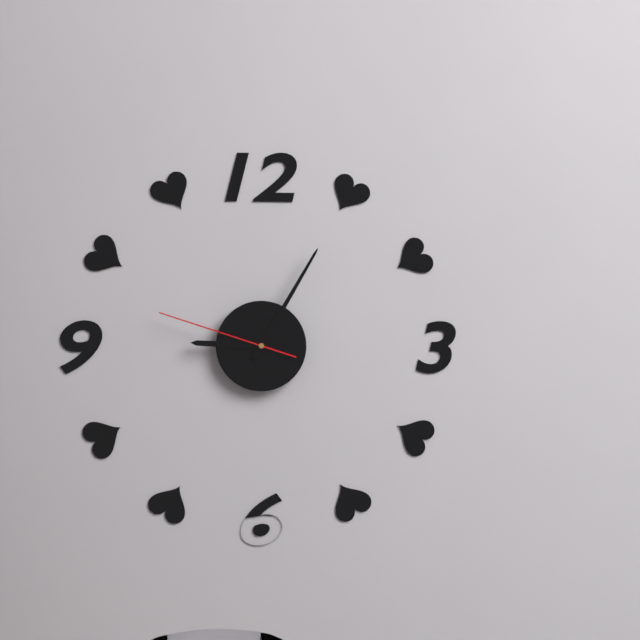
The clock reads {"hour": 9, "minute": 5, "second": 48}
